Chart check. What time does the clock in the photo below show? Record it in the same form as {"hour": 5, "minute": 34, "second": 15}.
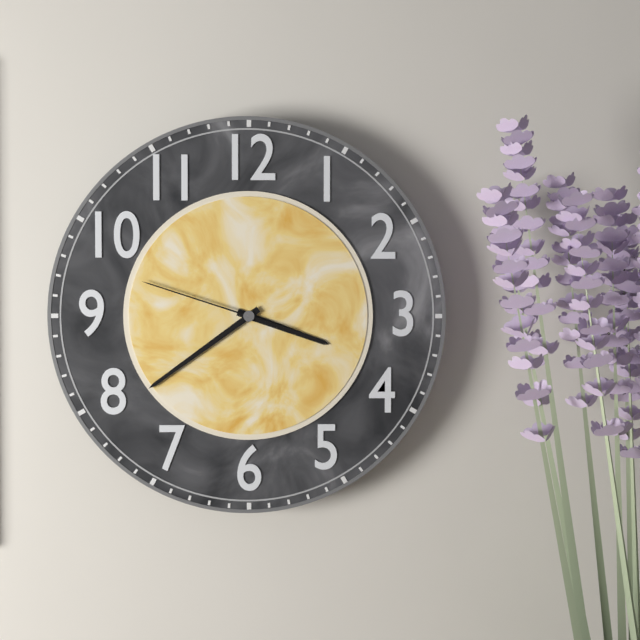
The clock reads {"hour": 3, "minute": 39, "second": 48}
